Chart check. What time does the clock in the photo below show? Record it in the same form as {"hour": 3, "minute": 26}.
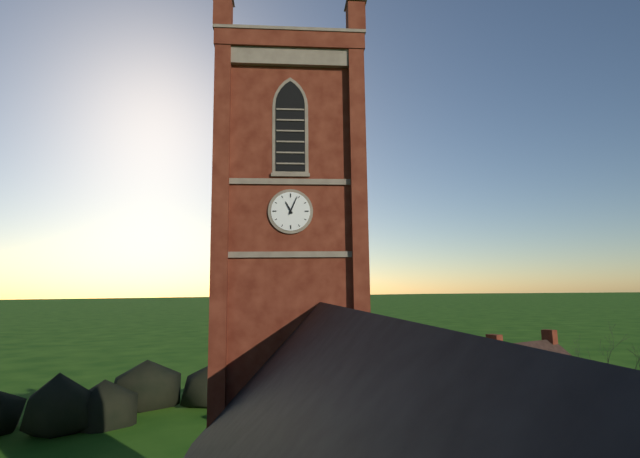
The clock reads {"hour": 11, "minute": 4}
